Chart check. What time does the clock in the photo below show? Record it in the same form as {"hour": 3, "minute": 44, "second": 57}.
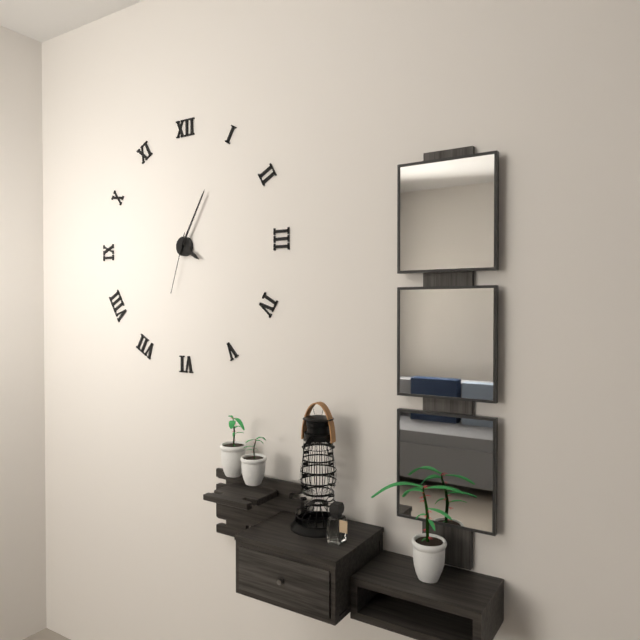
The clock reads {"hour": 4, "minute": 5, "second": 33}
